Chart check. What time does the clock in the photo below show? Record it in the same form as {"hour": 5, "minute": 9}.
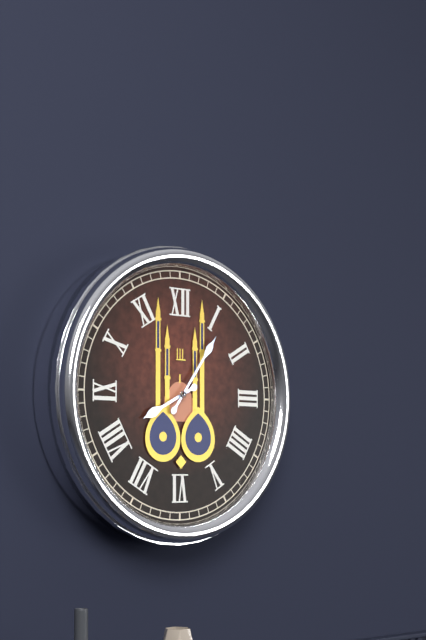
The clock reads {"hour": 8, "minute": 6}
